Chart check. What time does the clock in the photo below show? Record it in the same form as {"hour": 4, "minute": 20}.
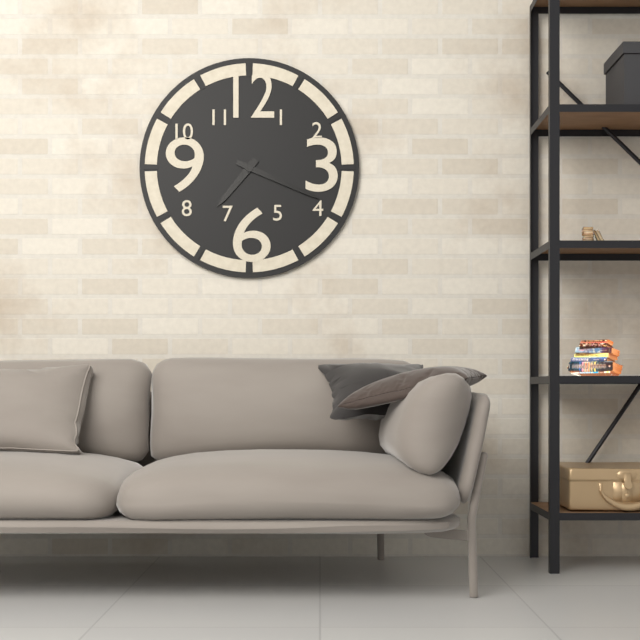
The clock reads {"hour": 7, "minute": 19}
